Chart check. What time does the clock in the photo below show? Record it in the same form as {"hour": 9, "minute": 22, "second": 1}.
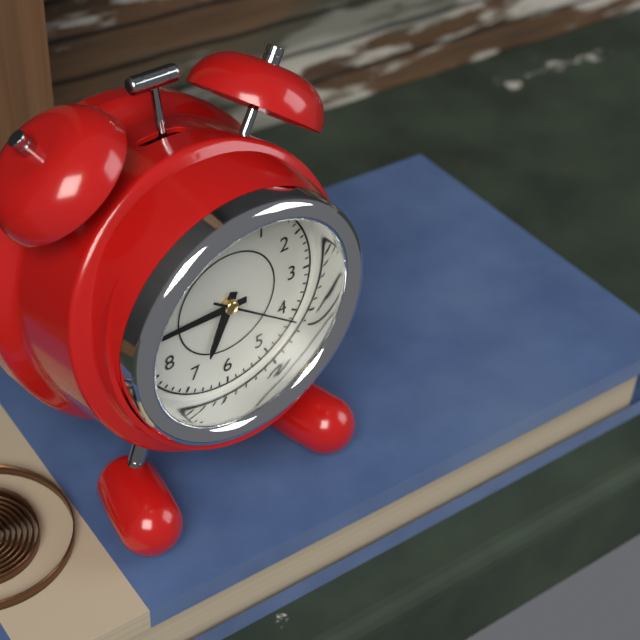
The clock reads {"hour": 6, "minute": 45, "second": 21}
